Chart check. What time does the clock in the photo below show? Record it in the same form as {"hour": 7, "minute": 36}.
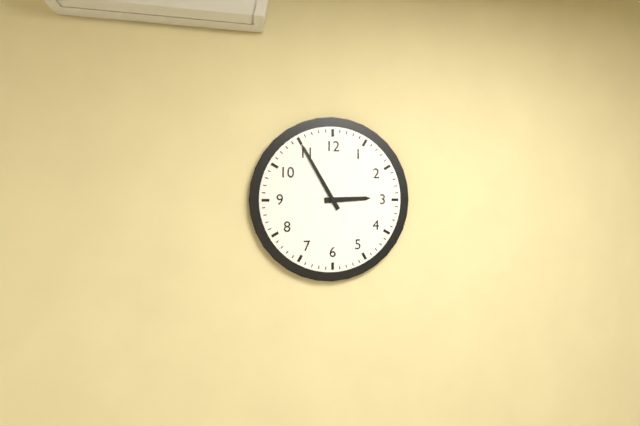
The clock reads {"hour": 2, "minute": 55}
